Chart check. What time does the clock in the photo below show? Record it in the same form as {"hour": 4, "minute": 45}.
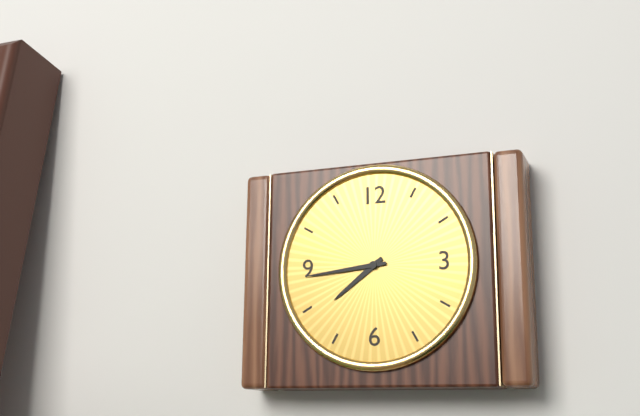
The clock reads {"hour": 7, "minute": 44}
